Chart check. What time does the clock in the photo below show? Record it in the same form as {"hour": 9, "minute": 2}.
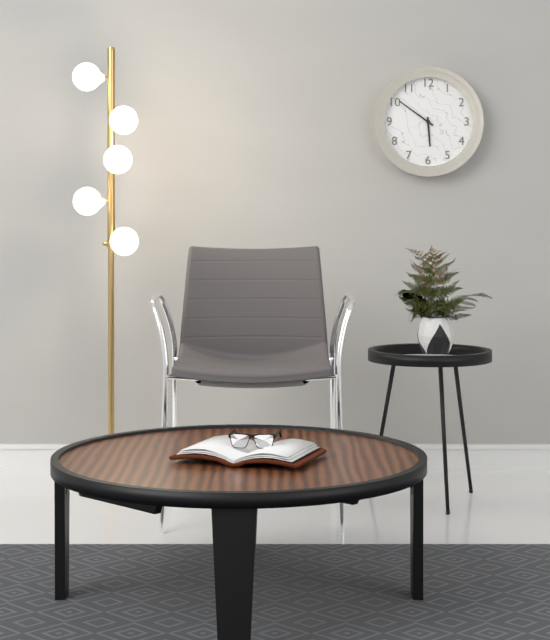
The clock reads {"hour": 5, "minute": 51}
